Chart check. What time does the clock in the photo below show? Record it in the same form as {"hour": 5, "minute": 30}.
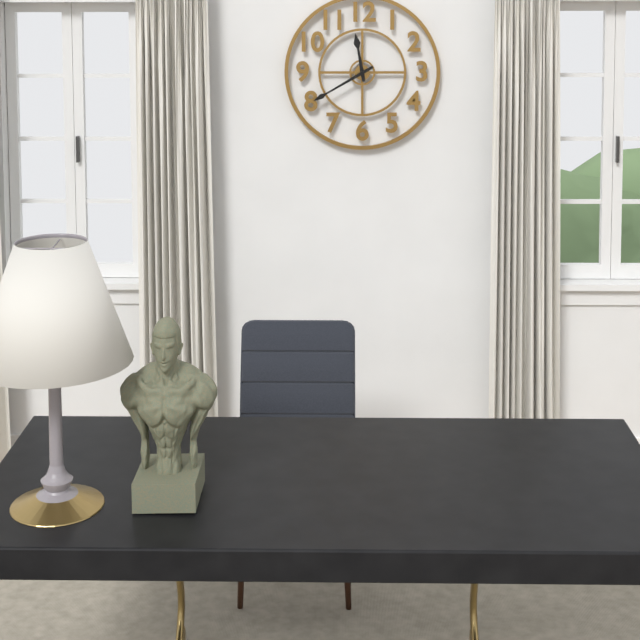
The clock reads {"hour": 11, "minute": 40}
